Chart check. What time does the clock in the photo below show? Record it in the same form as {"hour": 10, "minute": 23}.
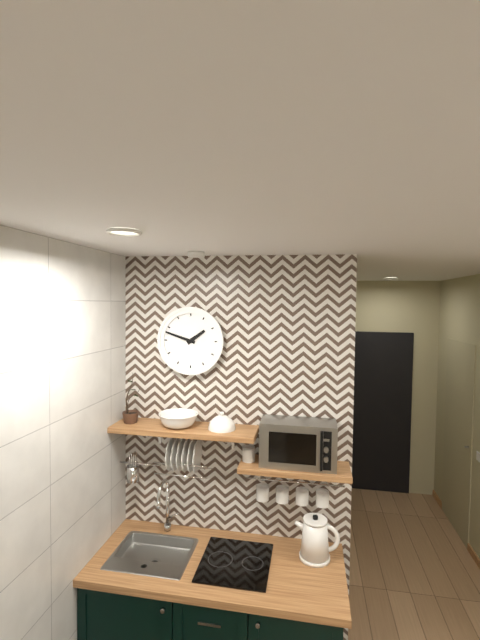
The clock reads {"hour": 1, "minute": 48}
